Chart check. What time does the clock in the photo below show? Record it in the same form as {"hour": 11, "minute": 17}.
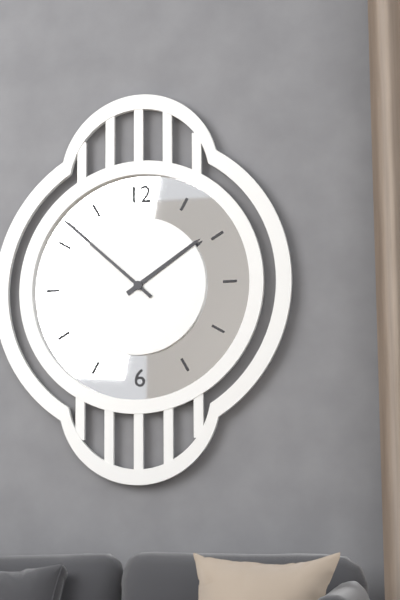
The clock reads {"hour": 1, "minute": 52}
